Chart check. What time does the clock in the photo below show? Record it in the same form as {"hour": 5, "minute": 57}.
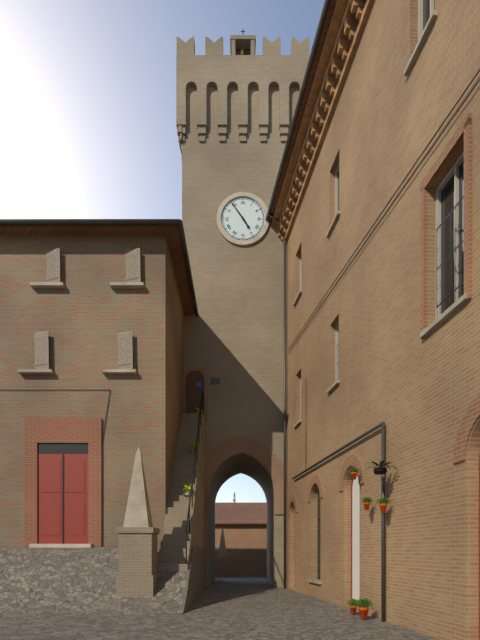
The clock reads {"hour": 4, "minute": 54}
